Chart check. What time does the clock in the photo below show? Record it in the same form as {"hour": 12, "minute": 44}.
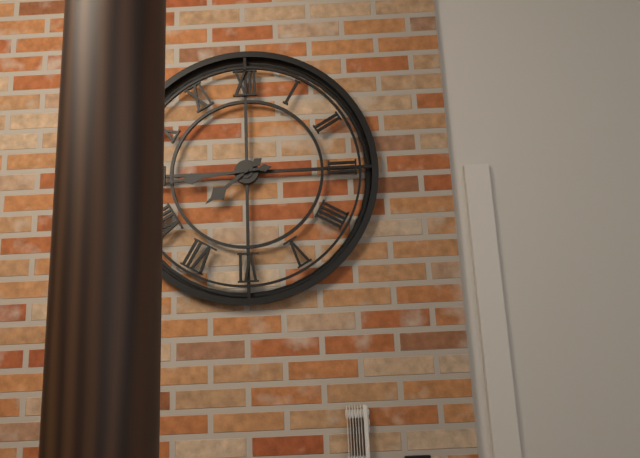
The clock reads {"hour": 7, "minute": 44}
